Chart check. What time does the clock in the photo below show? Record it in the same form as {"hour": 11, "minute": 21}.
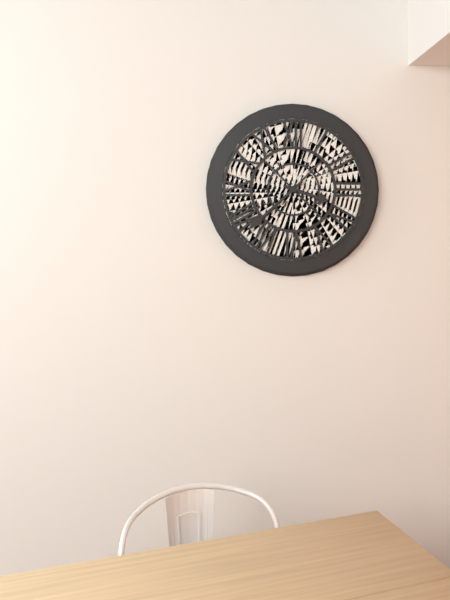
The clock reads {"hour": 3, "minute": 38}
